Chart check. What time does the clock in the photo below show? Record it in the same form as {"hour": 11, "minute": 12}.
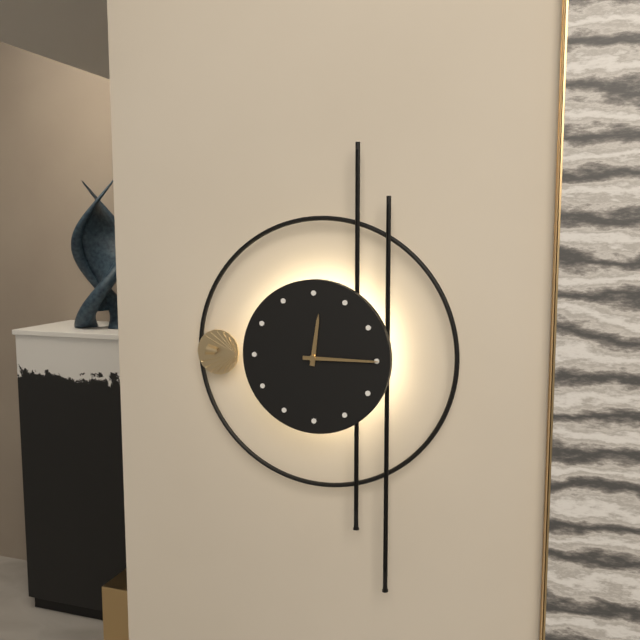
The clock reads {"hour": 12, "minute": 15}
